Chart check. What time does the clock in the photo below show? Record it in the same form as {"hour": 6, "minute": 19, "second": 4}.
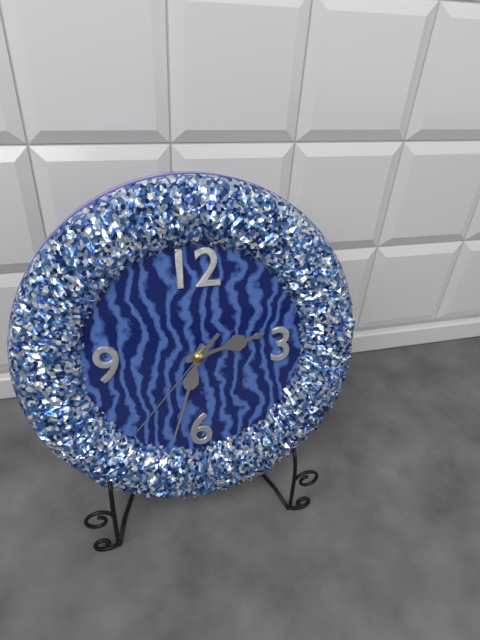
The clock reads {"hour": 2, "minute": 33, "second": 37}
